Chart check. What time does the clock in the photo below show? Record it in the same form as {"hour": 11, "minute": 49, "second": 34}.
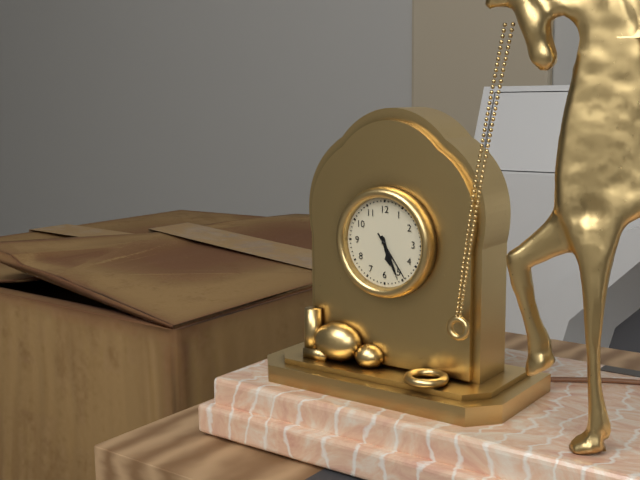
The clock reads {"hour": 5, "minute": 26, "second": 24}
